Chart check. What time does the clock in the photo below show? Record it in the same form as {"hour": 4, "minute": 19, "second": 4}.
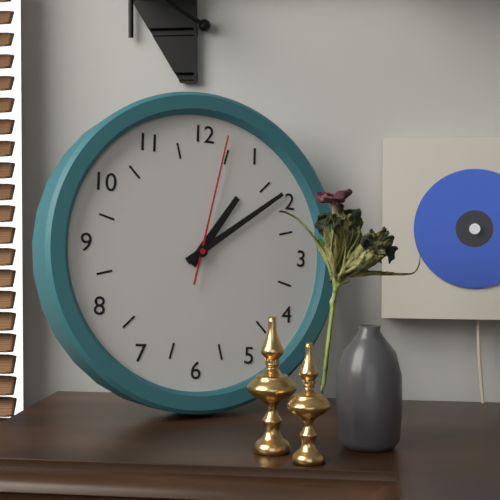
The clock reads {"hour": 1, "minute": 9, "second": 2}
